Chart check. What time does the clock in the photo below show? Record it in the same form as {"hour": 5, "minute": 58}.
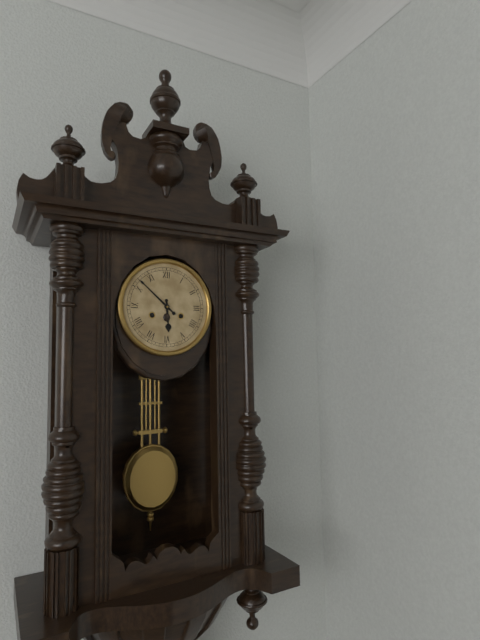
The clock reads {"hour": 5, "minute": 52}
